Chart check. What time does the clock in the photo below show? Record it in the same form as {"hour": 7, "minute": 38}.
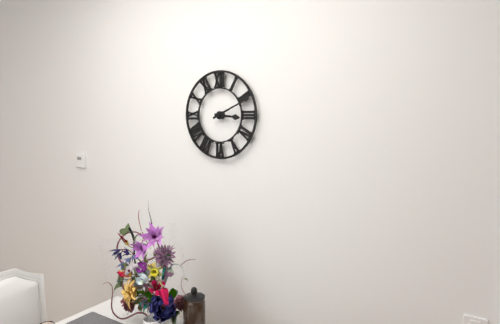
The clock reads {"hour": 3, "minute": 11}
